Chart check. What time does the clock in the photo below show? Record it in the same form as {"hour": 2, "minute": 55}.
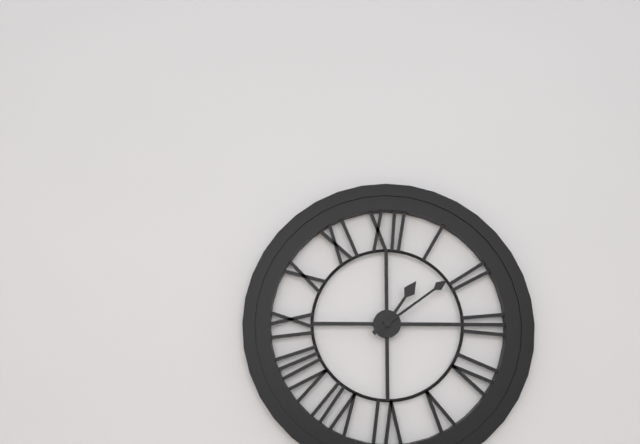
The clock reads {"hour": 1, "minute": 9}
